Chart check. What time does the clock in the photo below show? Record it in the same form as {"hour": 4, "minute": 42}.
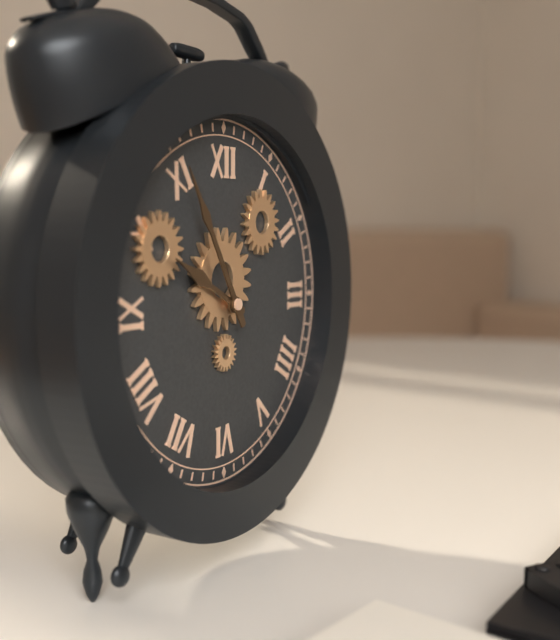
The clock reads {"hour": 9, "minute": 55}
